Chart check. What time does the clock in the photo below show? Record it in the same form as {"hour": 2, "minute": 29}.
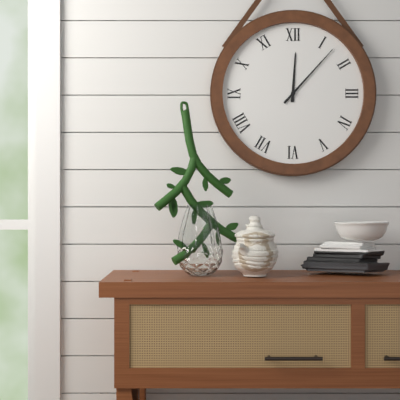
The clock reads {"hour": 12, "minute": 7}
